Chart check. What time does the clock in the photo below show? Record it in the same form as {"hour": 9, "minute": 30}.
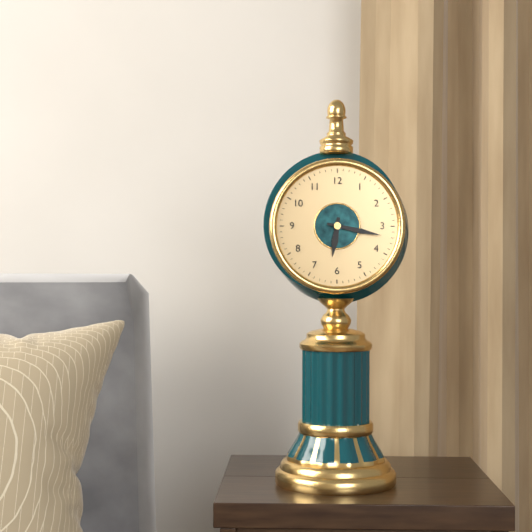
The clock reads {"hour": 6, "minute": 17}
